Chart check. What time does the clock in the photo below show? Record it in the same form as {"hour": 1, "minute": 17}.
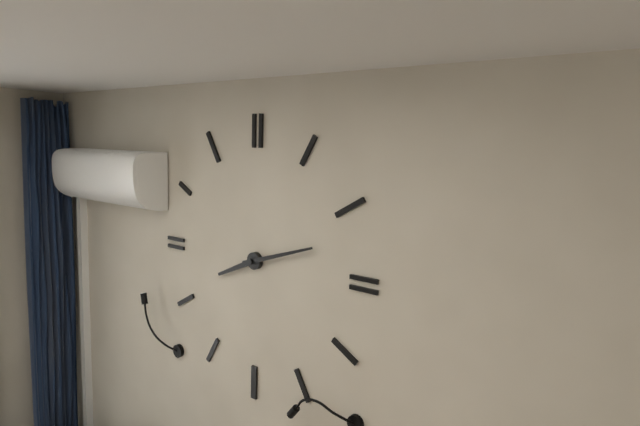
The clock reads {"hour": 8, "minute": 12}
